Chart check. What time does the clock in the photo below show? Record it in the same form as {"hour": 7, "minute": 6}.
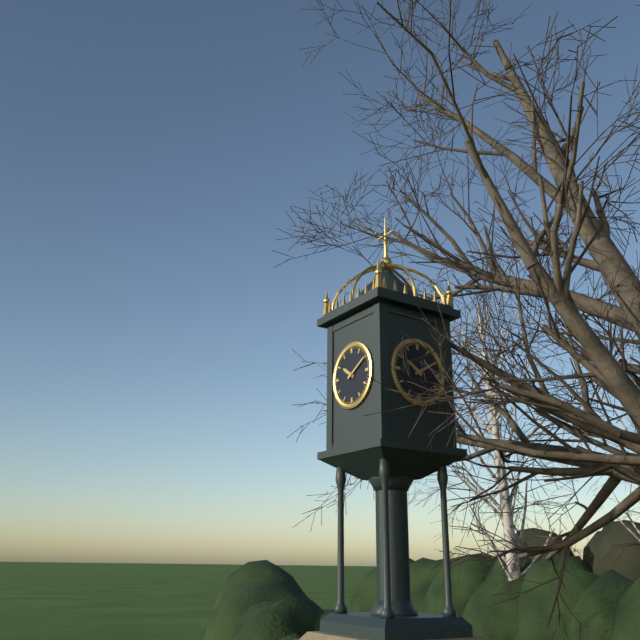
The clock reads {"hour": 10, "minute": 10}
